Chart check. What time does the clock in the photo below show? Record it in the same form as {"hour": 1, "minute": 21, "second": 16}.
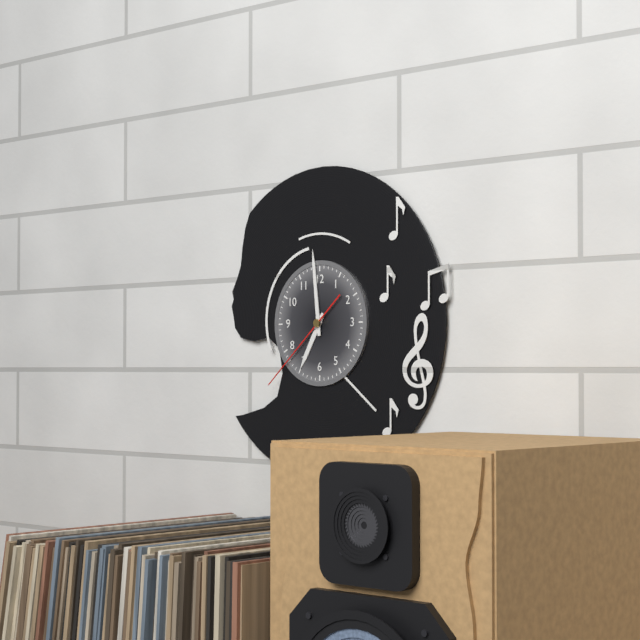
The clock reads {"hour": 6, "minute": 59, "second": 38}
